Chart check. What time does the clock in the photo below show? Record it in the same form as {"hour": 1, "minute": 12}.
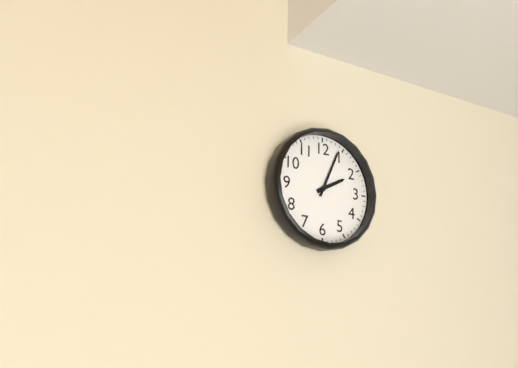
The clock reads {"hour": 2, "minute": 4}
